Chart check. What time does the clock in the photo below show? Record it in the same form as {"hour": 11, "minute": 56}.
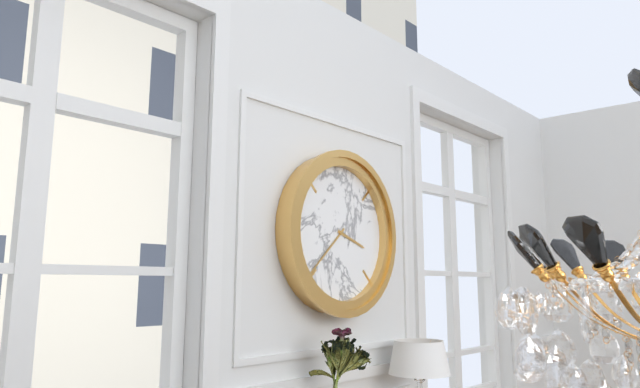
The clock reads {"hour": 3, "minute": 38}
